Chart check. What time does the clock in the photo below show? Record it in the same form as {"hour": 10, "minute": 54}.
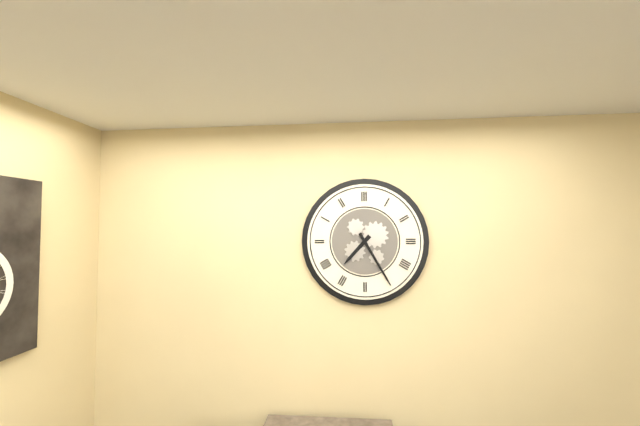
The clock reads {"hour": 7, "minute": 25}
